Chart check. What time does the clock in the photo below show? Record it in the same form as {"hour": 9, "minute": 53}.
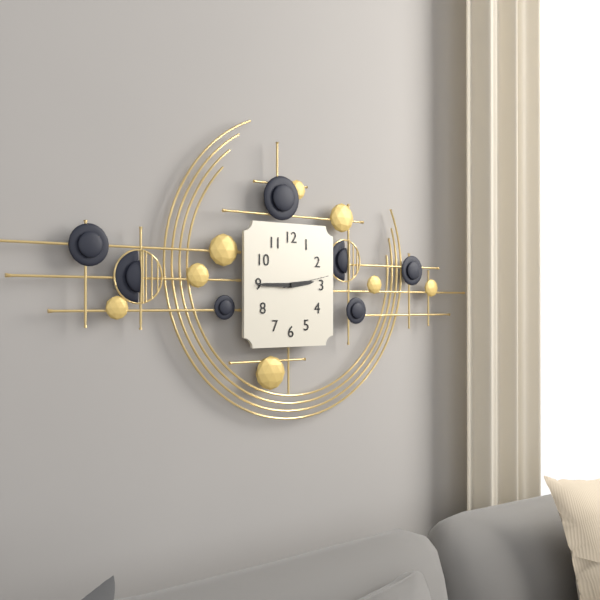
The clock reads {"hour": 2, "minute": 45}
